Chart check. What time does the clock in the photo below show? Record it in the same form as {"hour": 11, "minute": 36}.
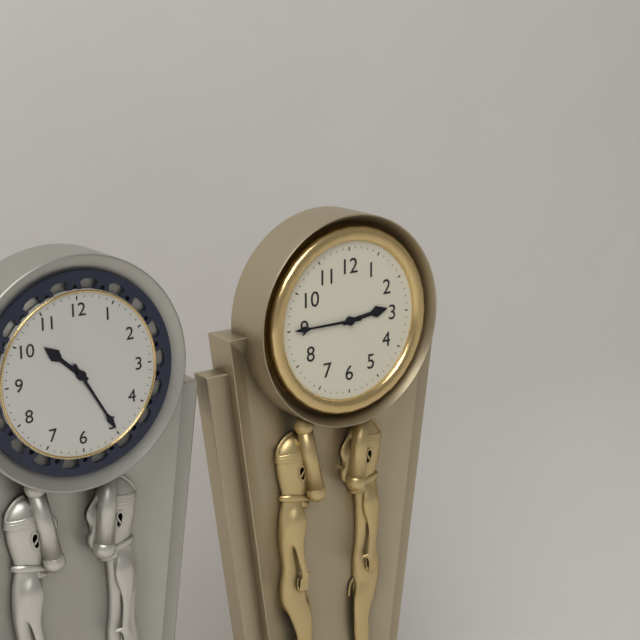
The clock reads {"hour": 2, "minute": 45}
